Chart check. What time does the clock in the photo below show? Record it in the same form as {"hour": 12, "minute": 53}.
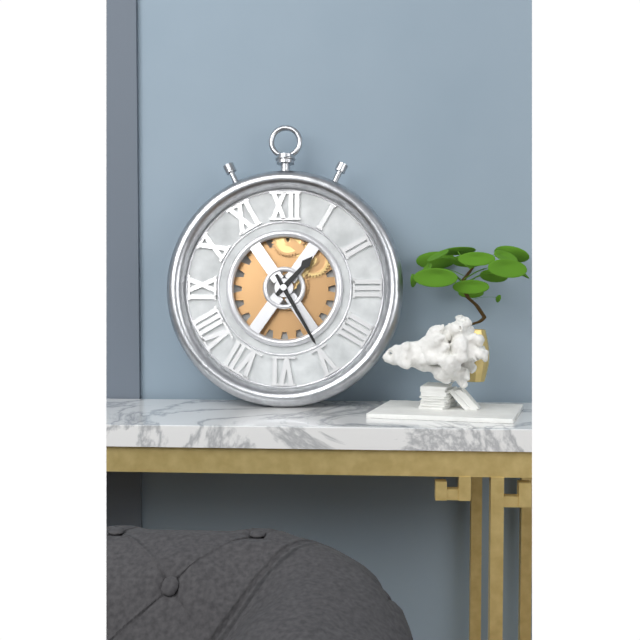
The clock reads {"hour": 1, "minute": 25}
